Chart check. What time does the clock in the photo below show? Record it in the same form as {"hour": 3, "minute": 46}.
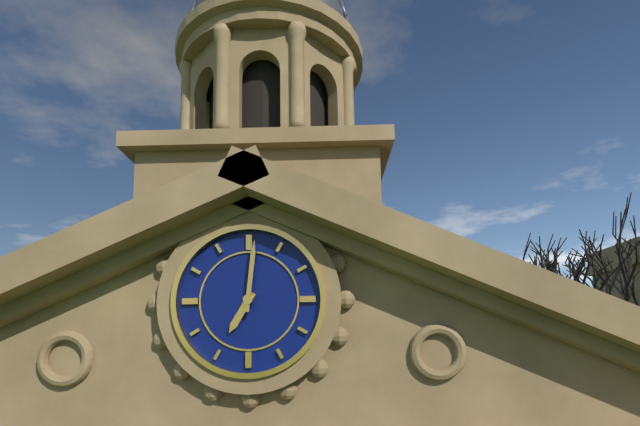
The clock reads {"hour": 7, "minute": 1}
